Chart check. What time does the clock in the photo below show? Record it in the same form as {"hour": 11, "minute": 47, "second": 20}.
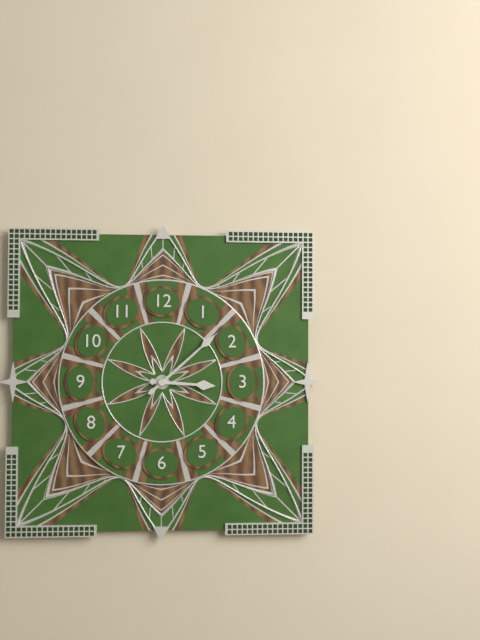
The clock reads {"hour": 3, "minute": 8, "second": 8}
